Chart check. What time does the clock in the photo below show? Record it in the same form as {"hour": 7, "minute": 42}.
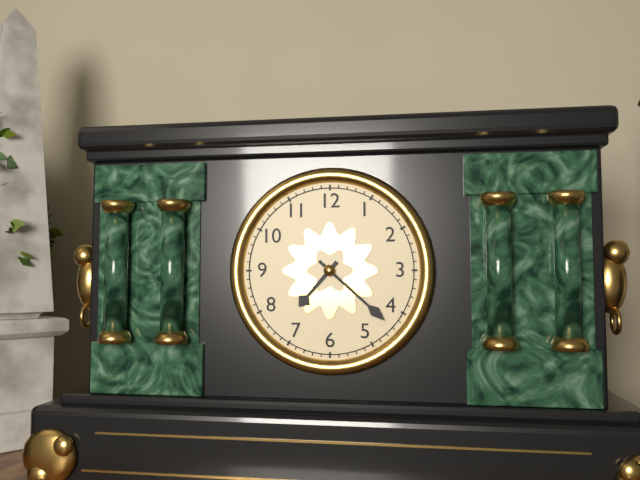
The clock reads {"hour": 7, "minute": 22}
